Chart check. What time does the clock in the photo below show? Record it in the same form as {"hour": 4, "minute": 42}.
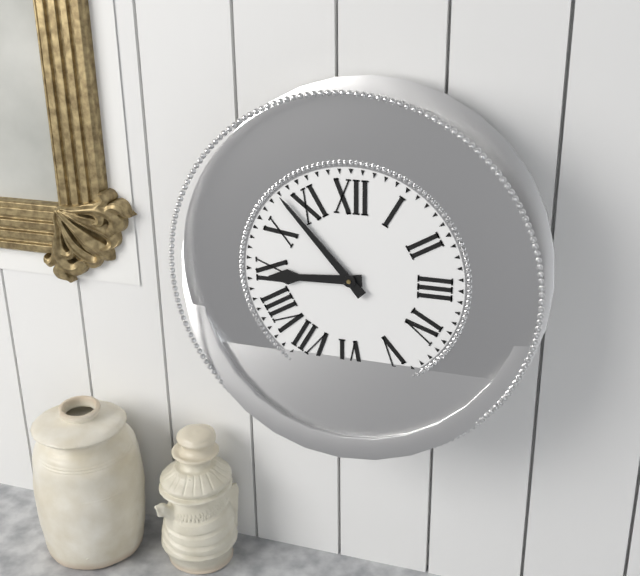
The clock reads {"hour": 8, "minute": 53}
